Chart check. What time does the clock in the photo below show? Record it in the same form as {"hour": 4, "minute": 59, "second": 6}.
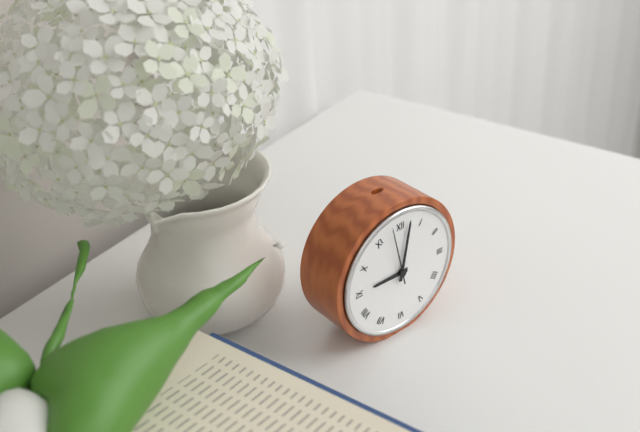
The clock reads {"hour": 9, "minute": 2, "second": 58}
